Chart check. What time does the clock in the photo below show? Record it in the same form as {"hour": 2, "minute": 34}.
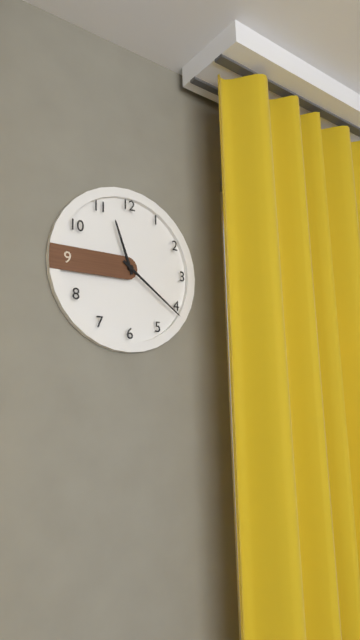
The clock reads {"hour": 11, "minute": 21}
